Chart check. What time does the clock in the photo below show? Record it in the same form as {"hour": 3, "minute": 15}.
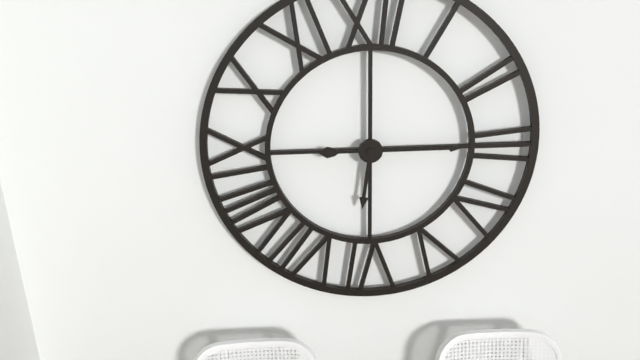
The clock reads {"hour": 6, "minute": 15}
